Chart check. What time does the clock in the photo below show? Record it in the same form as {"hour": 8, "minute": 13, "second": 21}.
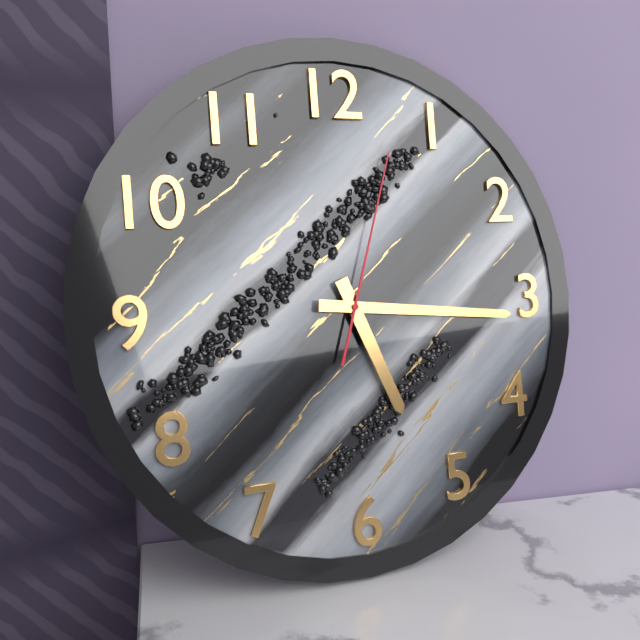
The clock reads {"hour": 5, "minute": 16, "second": 3}
